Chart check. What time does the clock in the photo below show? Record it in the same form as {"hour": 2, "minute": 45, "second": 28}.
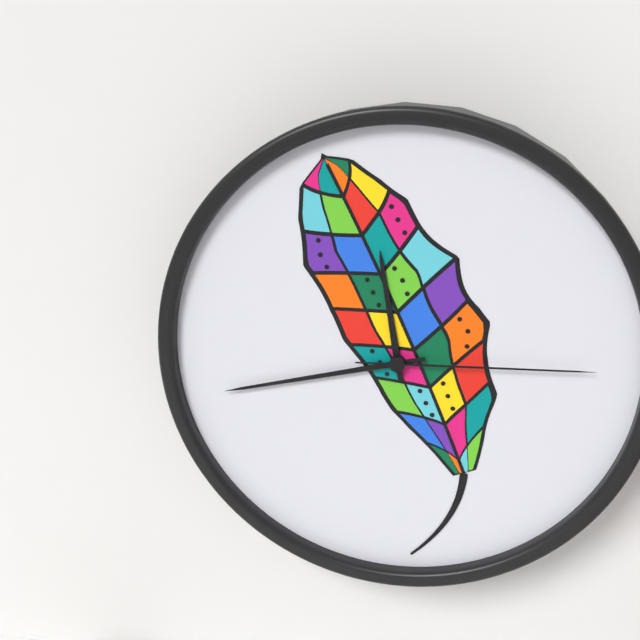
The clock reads {"hour": 11, "minute": 43, "second": 15}
